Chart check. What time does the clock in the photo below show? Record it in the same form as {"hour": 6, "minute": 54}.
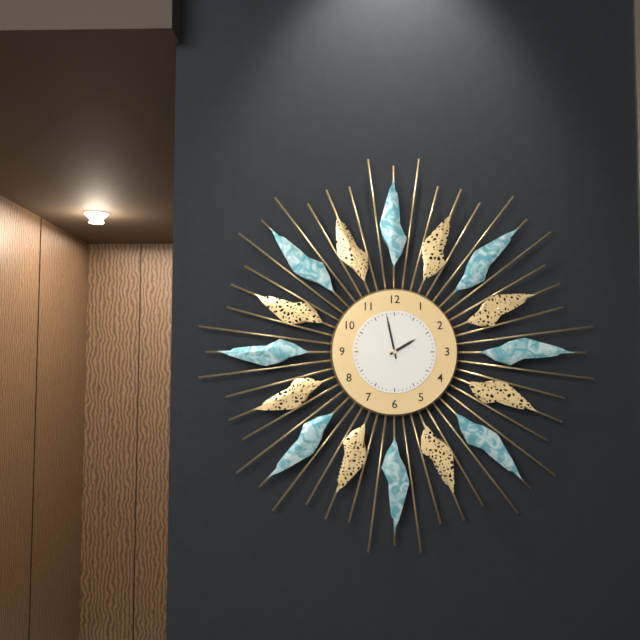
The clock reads {"hour": 1, "minute": 58}
